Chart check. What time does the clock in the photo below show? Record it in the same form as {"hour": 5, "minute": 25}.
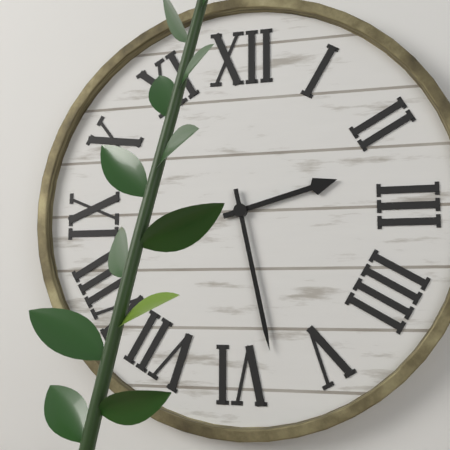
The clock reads {"hour": 2, "minute": 28}
